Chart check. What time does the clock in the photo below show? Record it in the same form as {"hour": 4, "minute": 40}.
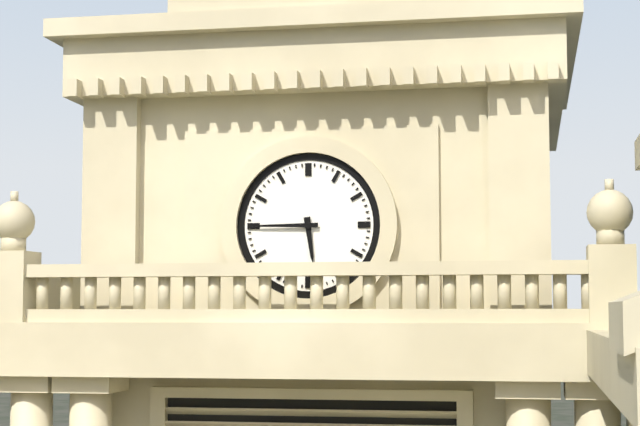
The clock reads {"hour": 5, "minute": 45}
